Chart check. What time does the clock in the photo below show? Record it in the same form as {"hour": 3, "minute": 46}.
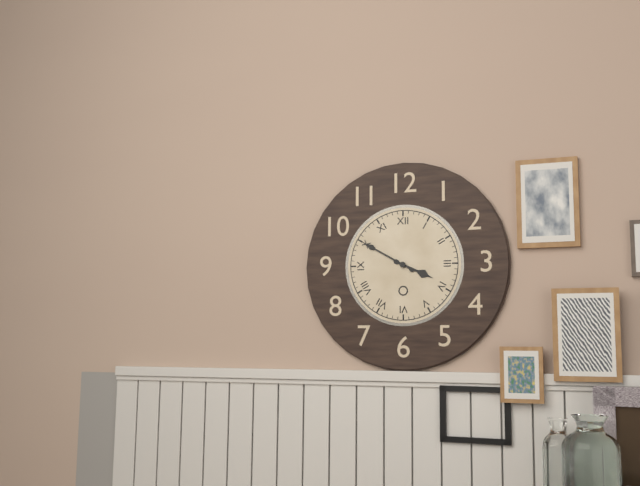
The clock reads {"hour": 3, "minute": 50}
